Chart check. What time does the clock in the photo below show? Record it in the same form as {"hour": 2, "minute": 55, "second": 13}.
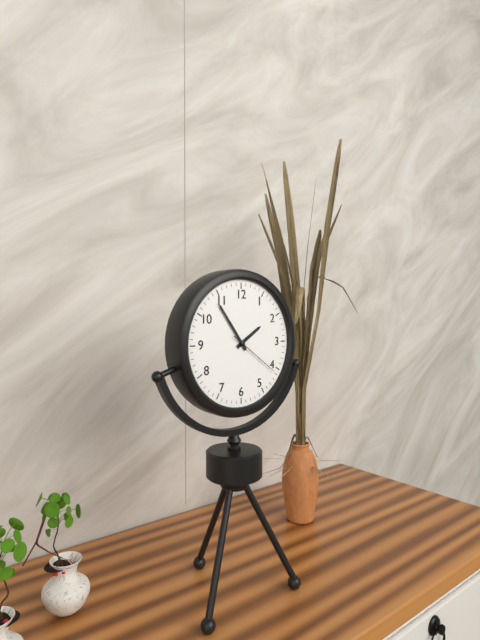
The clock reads {"hour": 1, "minute": 54, "second": 21}
